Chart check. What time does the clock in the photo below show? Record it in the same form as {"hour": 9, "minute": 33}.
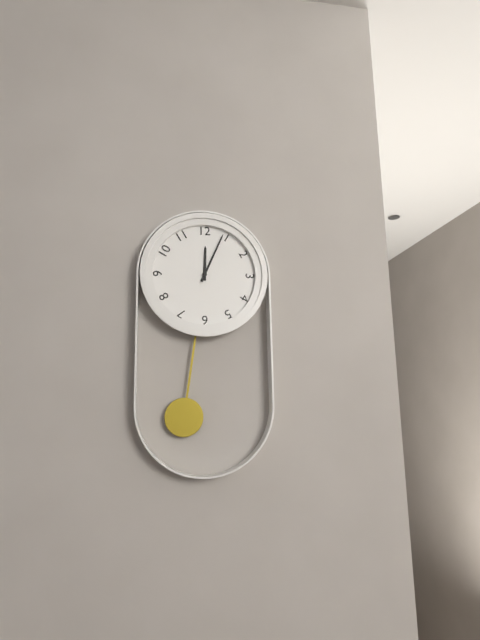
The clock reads {"hour": 12, "minute": 4}
